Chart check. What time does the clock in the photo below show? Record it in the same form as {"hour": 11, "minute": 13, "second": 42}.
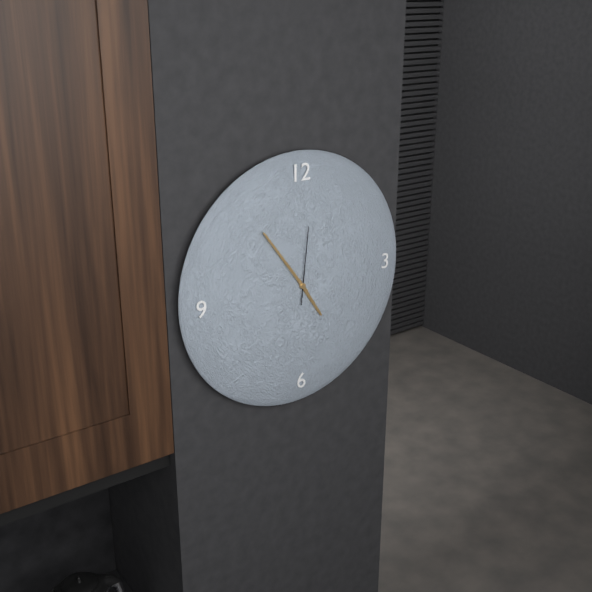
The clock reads {"hour": 4, "minute": 54, "second": 1}
